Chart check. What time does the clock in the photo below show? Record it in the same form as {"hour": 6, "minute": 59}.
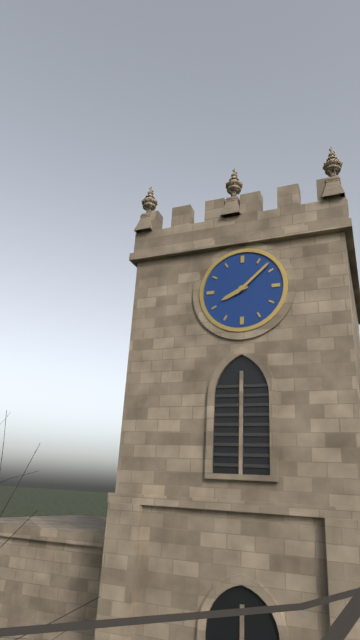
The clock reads {"hour": 8, "minute": 8}
